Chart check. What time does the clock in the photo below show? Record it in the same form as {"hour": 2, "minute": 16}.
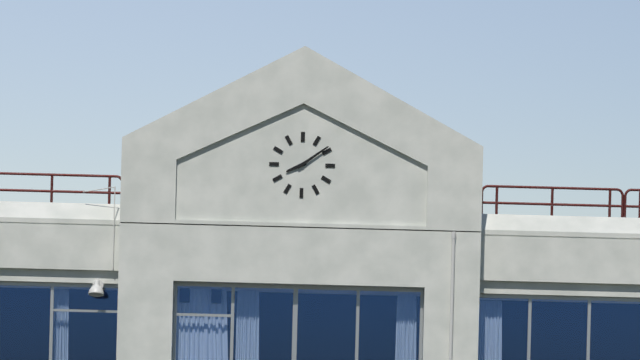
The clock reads {"hour": 8, "minute": 9}
